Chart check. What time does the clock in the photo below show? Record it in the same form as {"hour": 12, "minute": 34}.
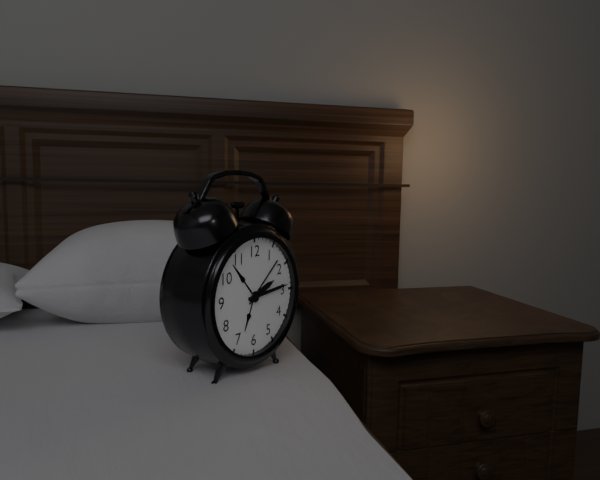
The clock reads {"hour": 2, "minute": 14}
